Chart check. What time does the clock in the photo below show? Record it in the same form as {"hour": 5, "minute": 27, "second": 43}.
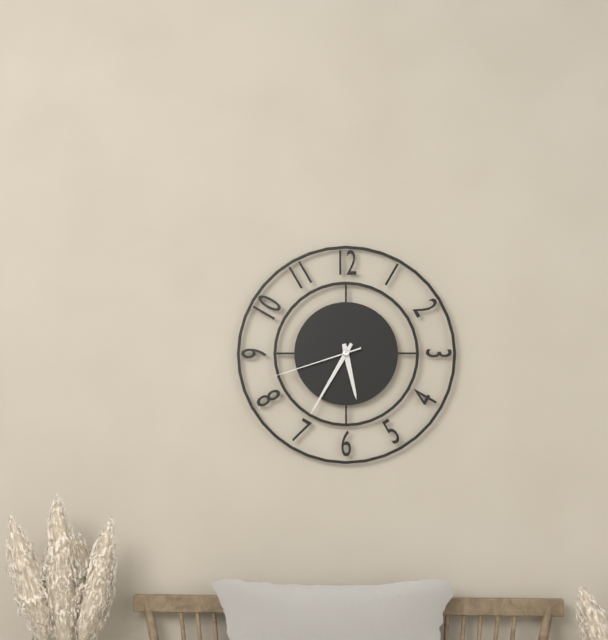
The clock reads {"hour": 5, "minute": 35, "second": 42}
